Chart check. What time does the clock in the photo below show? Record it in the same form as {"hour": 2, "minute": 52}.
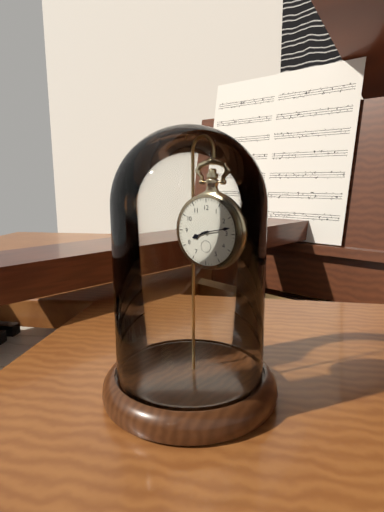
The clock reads {"hour": 8, "minute": 13}
